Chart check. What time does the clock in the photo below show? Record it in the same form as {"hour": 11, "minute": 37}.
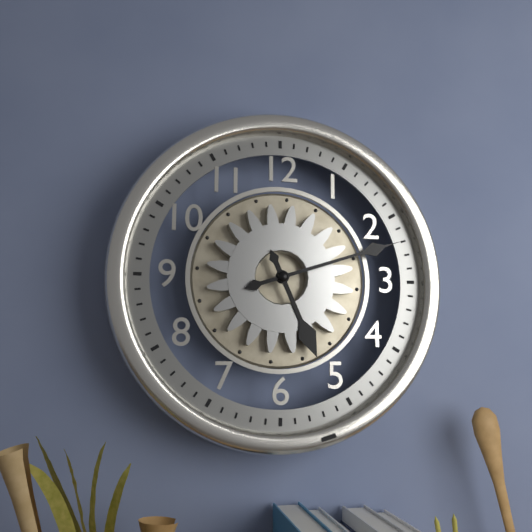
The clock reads {"hour": 5, "minute": 12}
